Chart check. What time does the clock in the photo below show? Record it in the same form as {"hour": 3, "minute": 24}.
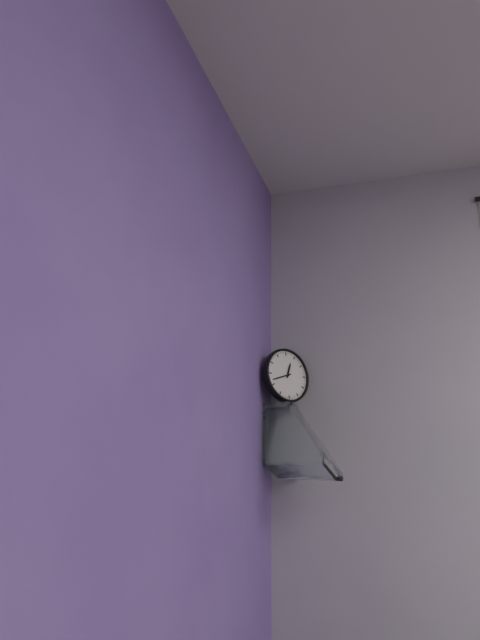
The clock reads {"hour": 12, "minute": 42}
